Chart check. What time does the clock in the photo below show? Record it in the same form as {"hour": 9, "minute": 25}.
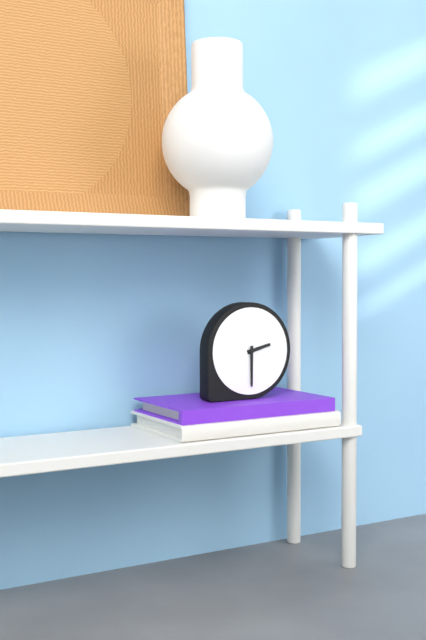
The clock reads {"hour": 2, "minute": 30}
